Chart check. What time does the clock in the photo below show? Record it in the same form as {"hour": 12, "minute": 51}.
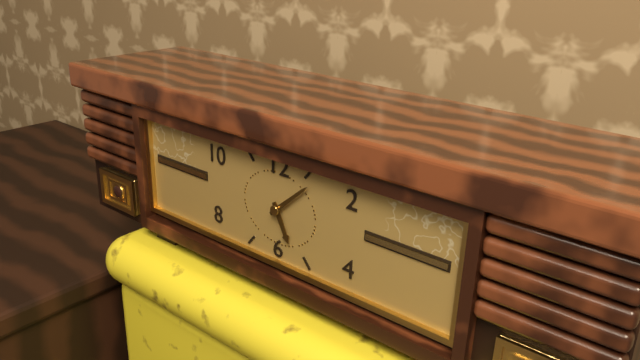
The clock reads {"hour": 5, "minute": 8}
